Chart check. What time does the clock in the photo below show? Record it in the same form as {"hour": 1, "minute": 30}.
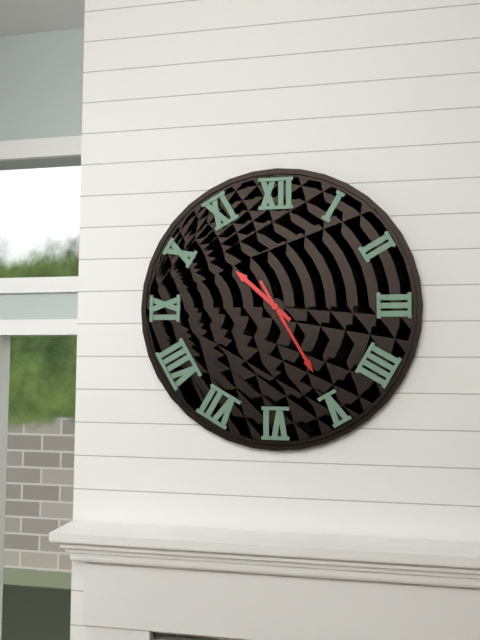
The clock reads {"hour": 10, "minute": 25}
